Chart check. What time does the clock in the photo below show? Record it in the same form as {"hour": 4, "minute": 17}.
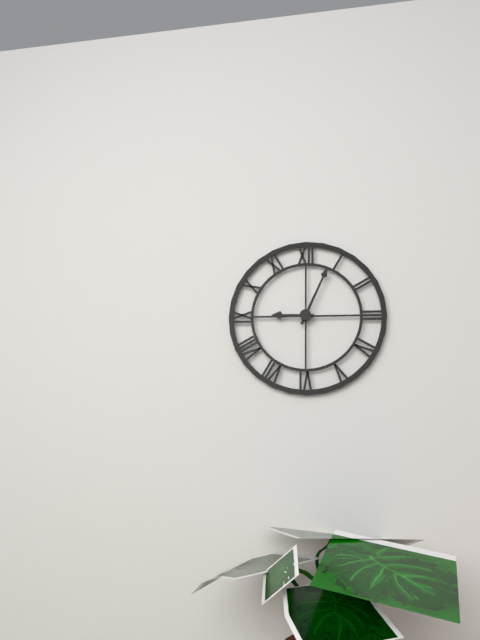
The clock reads {"hour": 9, "minute": 4}
